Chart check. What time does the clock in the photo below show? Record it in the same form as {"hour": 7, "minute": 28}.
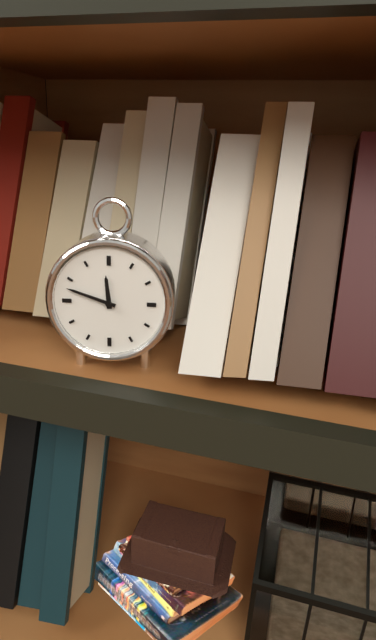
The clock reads {"hour": 11, "minute": 48}
